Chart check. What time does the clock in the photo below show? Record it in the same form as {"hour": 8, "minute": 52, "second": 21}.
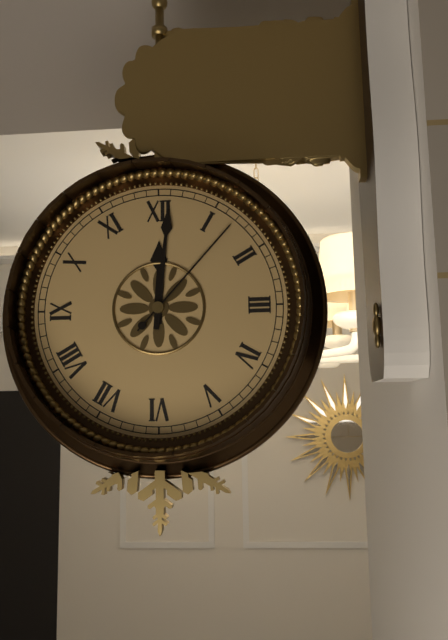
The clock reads {"hour": 12, "minute": 1, "second": 7}
